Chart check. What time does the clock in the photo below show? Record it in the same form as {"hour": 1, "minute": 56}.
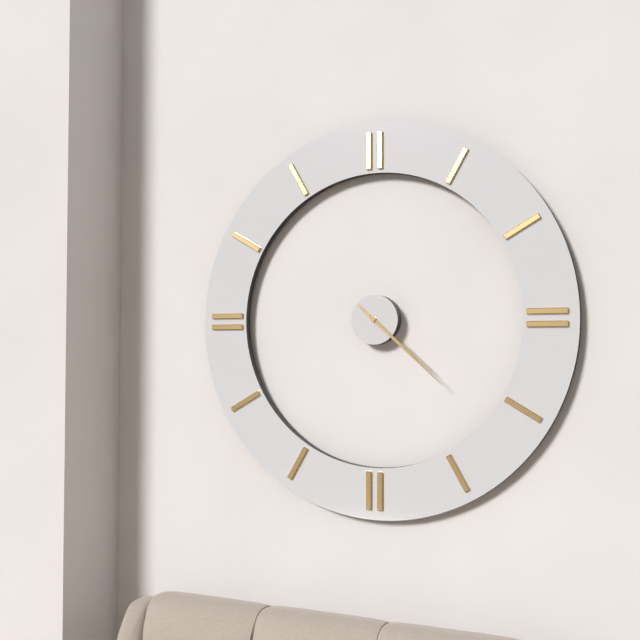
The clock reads {"hour": 4, "minute": 22}
